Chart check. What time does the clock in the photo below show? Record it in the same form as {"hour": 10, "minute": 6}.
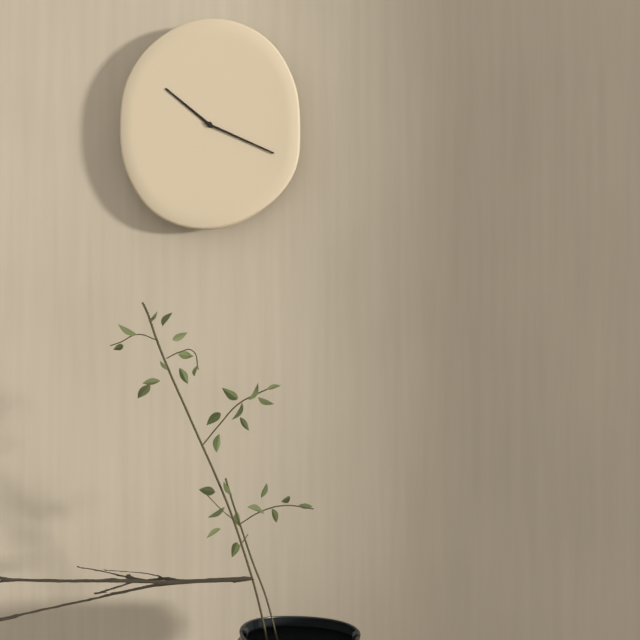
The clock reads {"hour": 10, "minute": 19}
